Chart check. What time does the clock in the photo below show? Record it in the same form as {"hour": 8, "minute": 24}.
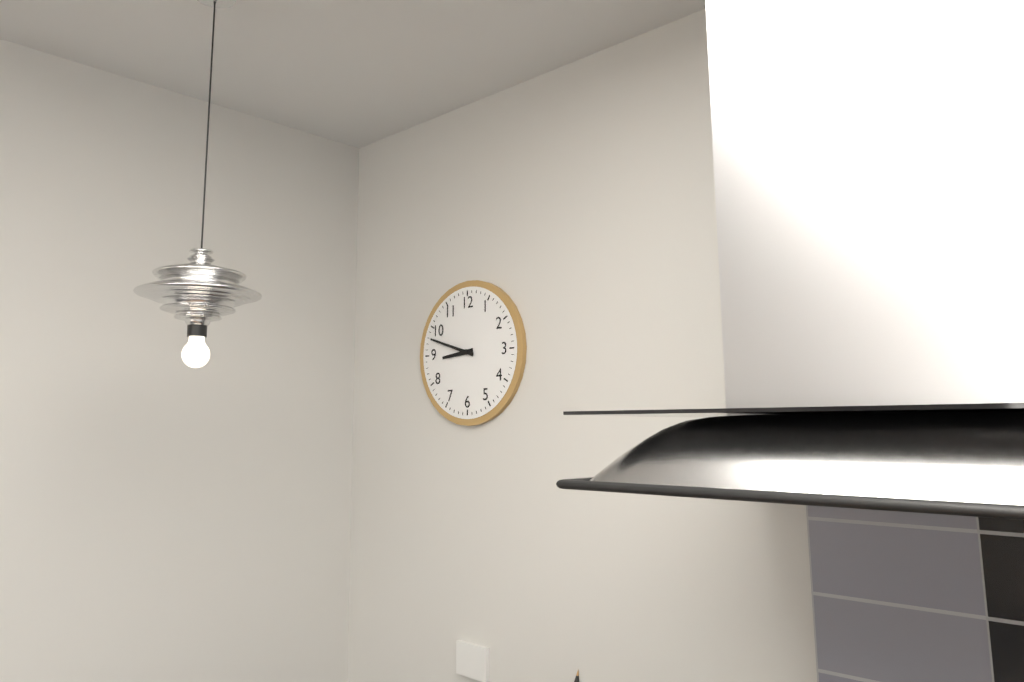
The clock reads {"hour": 8, "minute": 48}
